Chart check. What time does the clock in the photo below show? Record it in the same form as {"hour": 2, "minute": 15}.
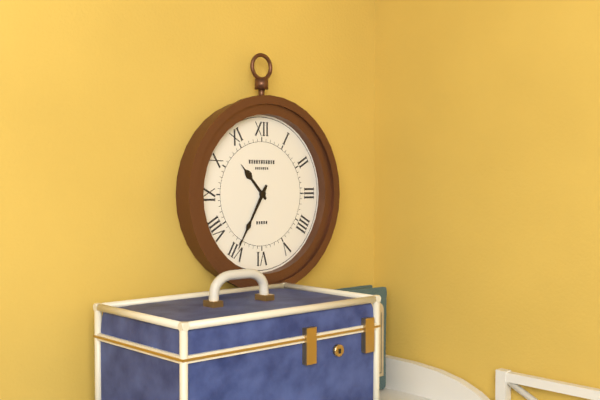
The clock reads {"hour": 10, "minute": 35}
